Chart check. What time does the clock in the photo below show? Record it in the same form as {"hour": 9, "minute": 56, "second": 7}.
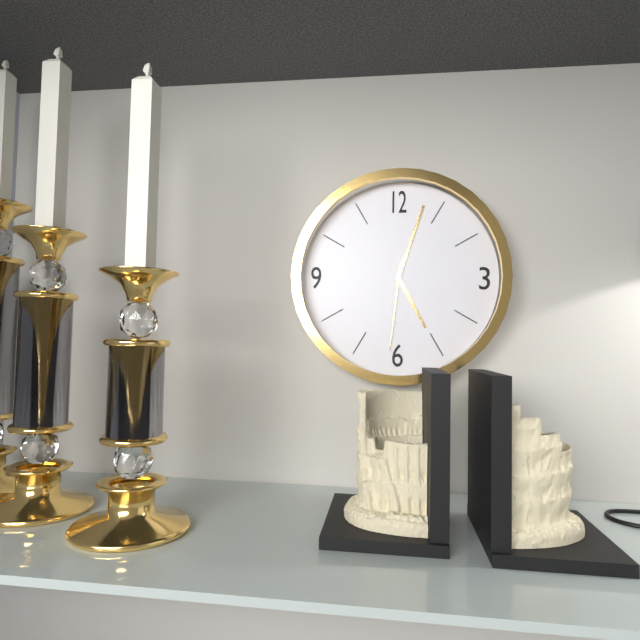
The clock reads {"hour": 5, "minute": 3, "second": 31}
